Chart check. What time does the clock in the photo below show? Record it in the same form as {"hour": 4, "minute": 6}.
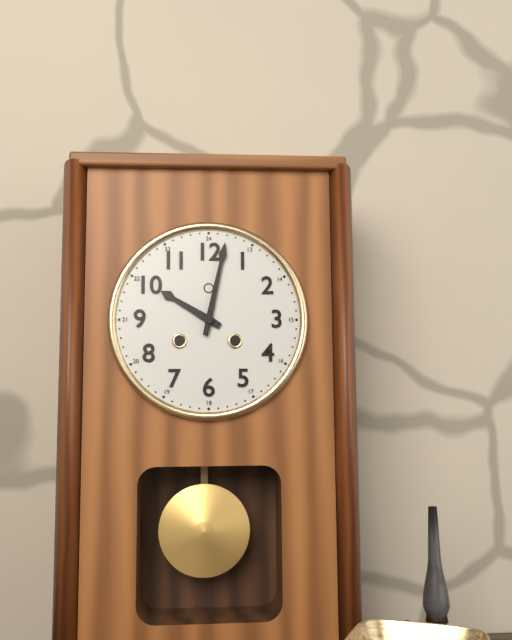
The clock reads {"hour": 10, "minute": 2}
